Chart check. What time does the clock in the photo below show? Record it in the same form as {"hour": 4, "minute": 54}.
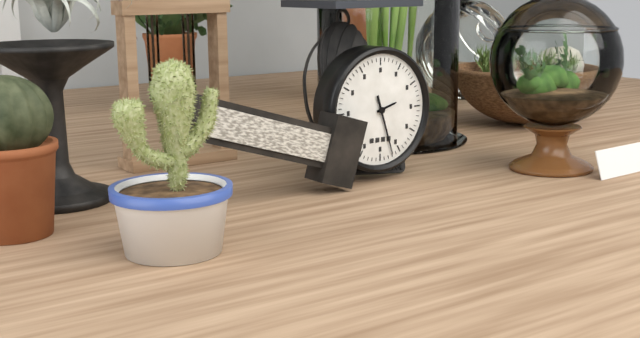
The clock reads {"hour": 2, "minute": 27}
